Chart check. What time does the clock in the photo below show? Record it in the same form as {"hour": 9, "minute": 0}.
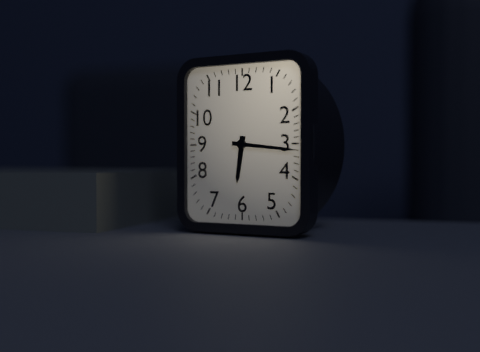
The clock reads {"hour": 6, "minute": 16}
